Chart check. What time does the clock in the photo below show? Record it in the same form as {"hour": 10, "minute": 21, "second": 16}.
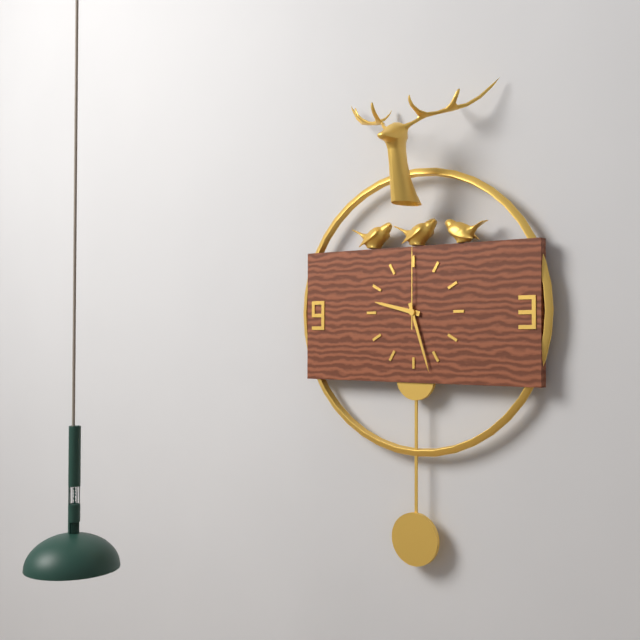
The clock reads {"hour": 9, "minute": 27, "second": 0}
